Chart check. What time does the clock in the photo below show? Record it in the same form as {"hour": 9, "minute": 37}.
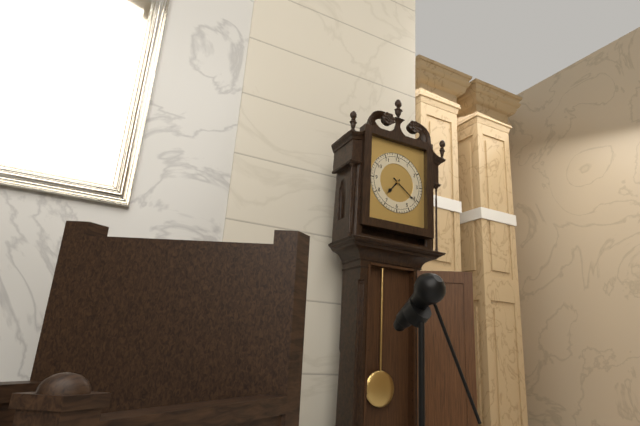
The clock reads {"hour": 7, "minute": 21}
